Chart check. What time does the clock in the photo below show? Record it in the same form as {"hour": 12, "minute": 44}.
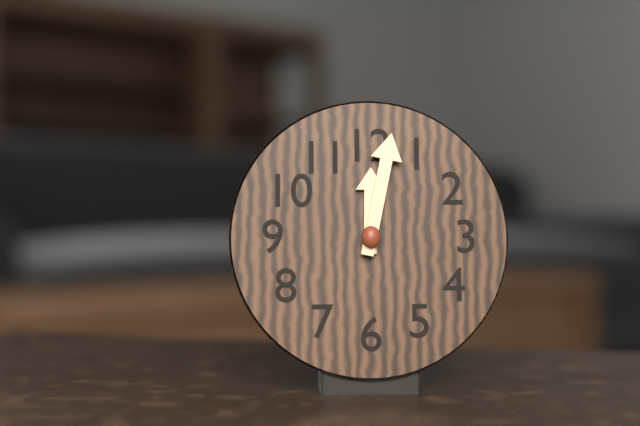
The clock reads {"hour": 12, "minute": 2}
